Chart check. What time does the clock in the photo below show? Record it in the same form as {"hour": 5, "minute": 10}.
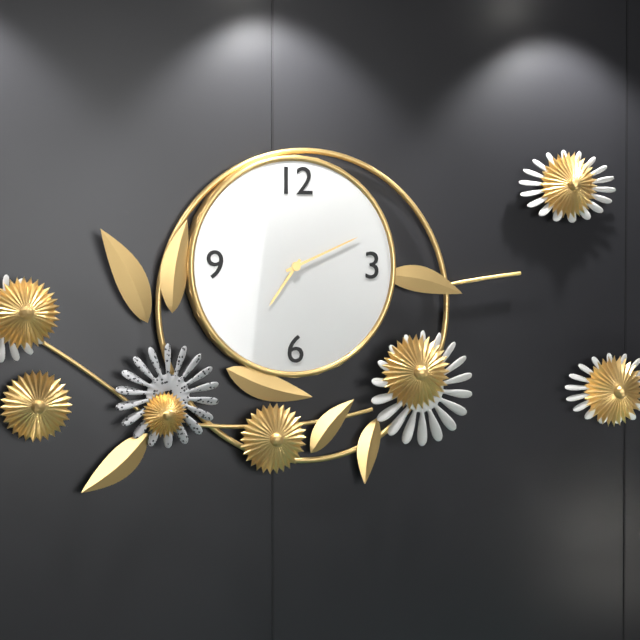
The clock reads {"hour": 7, "minute": 11}
